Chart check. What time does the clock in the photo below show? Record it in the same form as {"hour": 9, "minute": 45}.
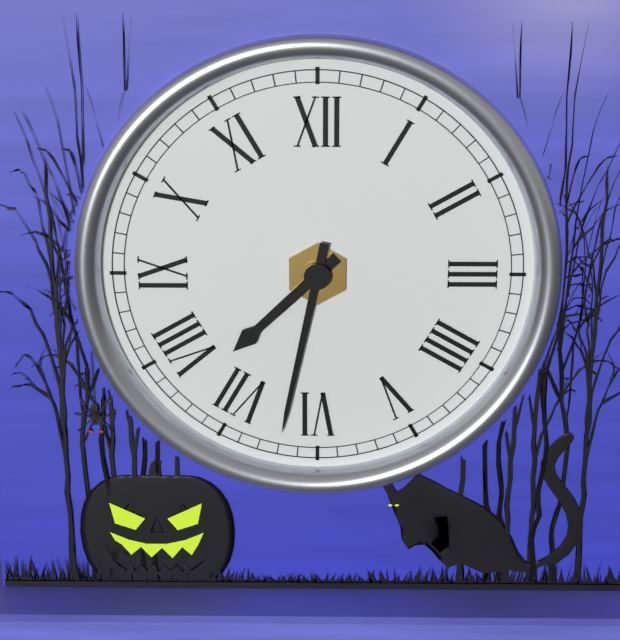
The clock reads {"hour": 7, "minute": 32}
